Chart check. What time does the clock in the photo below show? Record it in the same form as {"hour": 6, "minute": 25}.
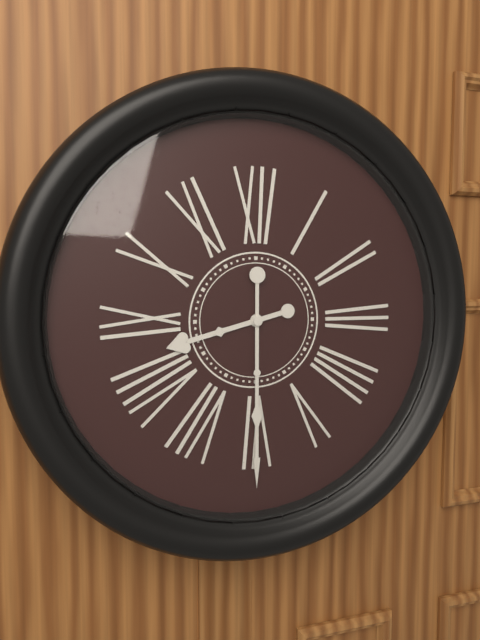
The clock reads {"hour": 8, "minute": 30}
